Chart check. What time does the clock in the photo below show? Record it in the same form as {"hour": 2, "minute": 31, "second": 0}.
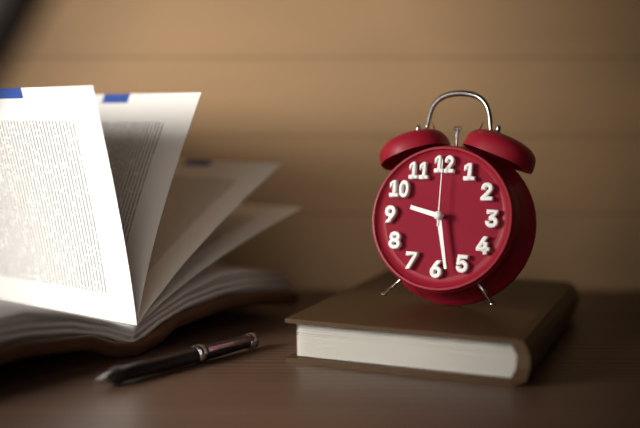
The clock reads {"hour": 9, "minute": 28, "second": 0}
